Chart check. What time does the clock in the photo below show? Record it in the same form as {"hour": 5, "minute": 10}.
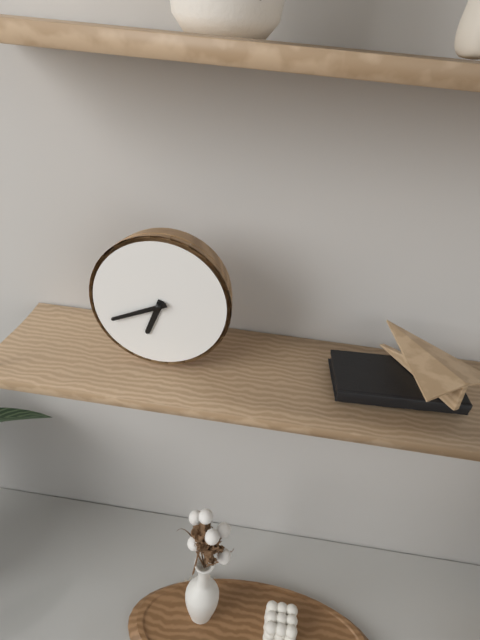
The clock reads {"hour": 6, "minute": 41}
